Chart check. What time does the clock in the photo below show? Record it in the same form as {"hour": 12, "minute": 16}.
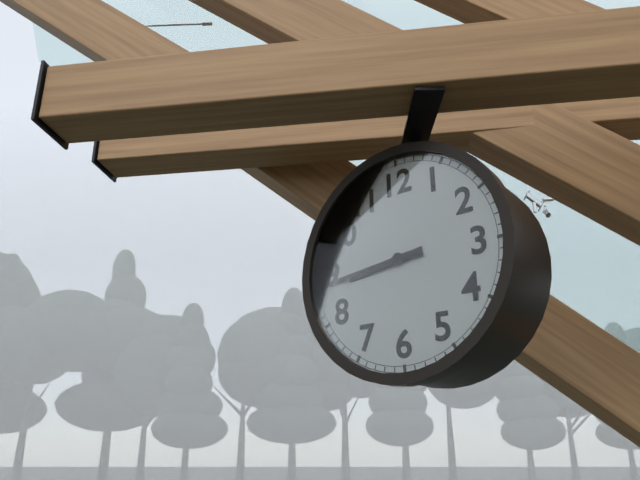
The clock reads {"hour": 8, "minute": 44}
